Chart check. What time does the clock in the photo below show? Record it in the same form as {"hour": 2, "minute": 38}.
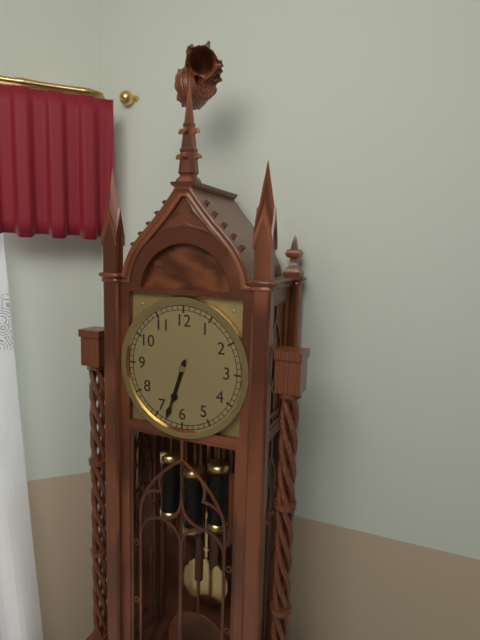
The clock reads {"hour": 6, "minute": 33}
